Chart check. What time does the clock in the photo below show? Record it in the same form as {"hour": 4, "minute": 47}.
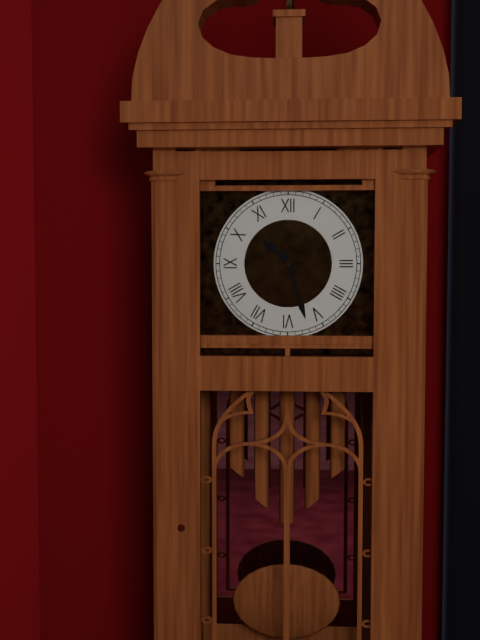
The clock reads {"hour": 10, "minute": 27}
